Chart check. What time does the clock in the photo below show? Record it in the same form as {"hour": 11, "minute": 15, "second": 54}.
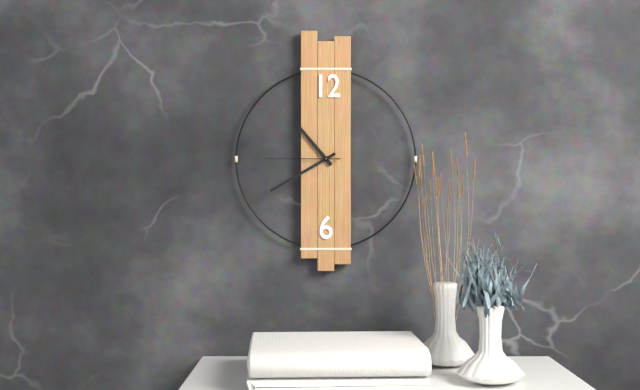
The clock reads {"hour": 10, "minute": 40, "second": 45}
